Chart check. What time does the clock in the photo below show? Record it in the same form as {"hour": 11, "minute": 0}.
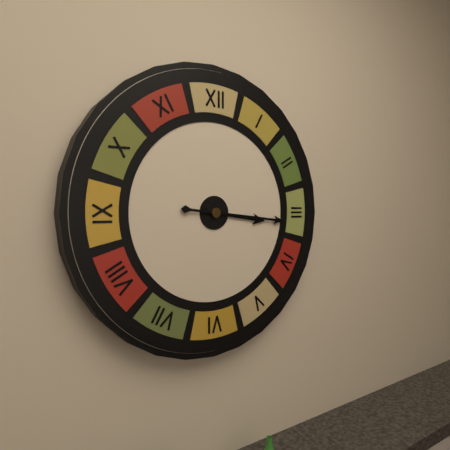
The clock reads {"hour": 3, "minute": 16}
